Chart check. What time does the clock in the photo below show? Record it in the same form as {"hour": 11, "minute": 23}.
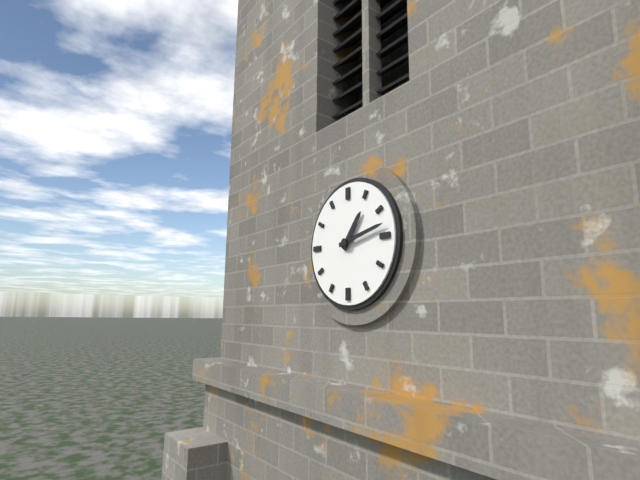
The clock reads {"hour": 1, "minute": 13}
